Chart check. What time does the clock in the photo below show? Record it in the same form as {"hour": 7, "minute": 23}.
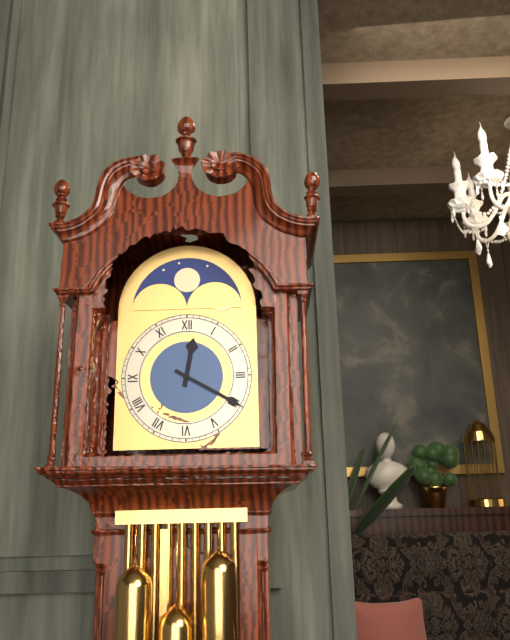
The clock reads {"hour": 12, "minute": 20}
